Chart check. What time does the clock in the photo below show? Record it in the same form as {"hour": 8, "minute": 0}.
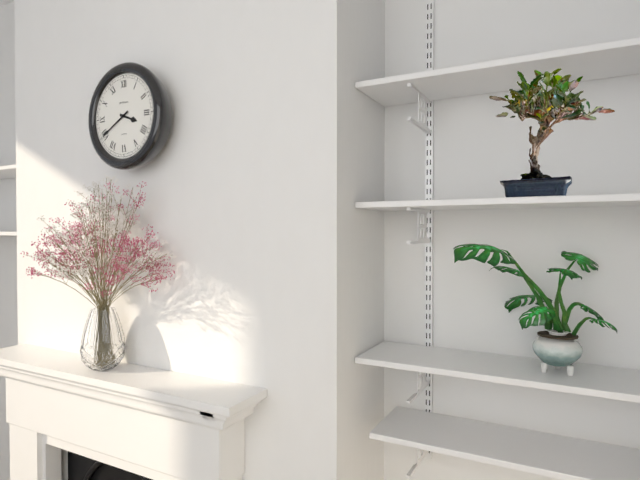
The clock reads {"hour": 3, "minute": 40}
